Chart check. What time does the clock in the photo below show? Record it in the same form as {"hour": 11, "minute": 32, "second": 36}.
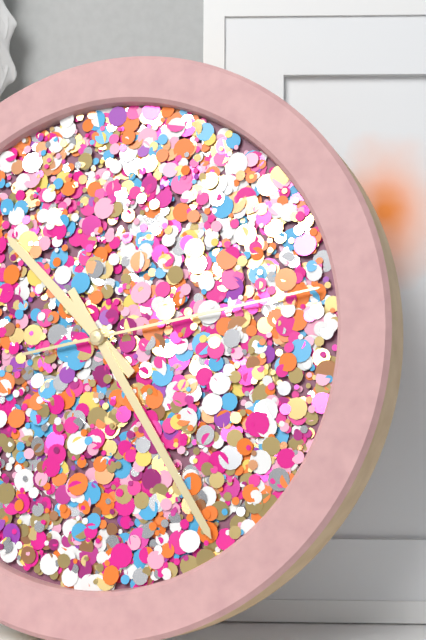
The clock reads {"hour": 10, "minute": 24, "second": 13}
